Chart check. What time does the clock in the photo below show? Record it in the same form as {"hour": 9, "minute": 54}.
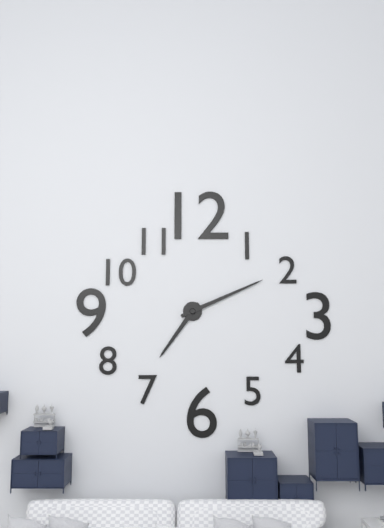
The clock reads {"hour": 7, "minute": 11}
